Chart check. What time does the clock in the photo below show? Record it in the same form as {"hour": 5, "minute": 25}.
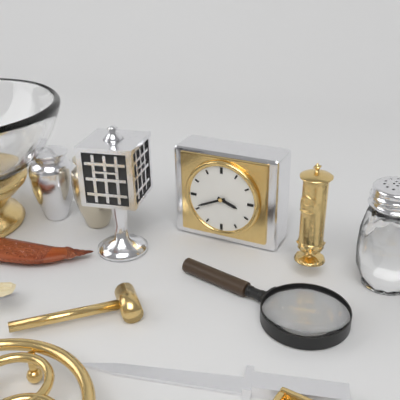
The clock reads {"hour": 3, "minute": 41}
